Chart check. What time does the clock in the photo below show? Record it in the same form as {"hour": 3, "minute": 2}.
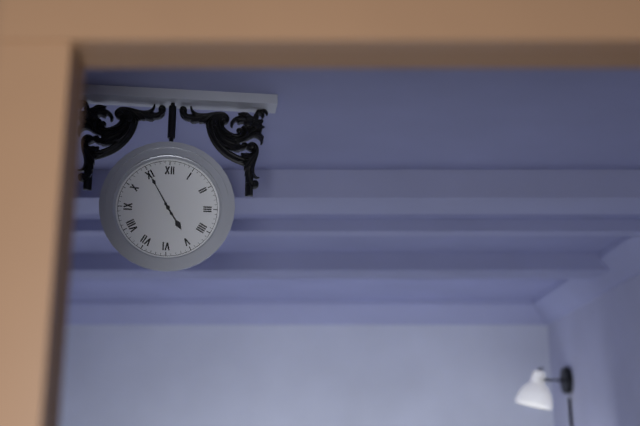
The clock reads {"hour": 4, "minute": 55}
